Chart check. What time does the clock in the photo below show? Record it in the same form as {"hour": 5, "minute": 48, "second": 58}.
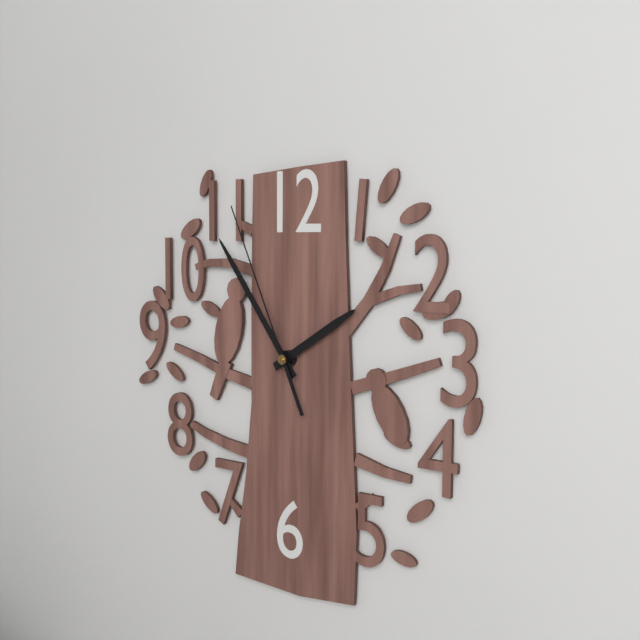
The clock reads {"hour": 1, "minute": 54, "second": 56}
